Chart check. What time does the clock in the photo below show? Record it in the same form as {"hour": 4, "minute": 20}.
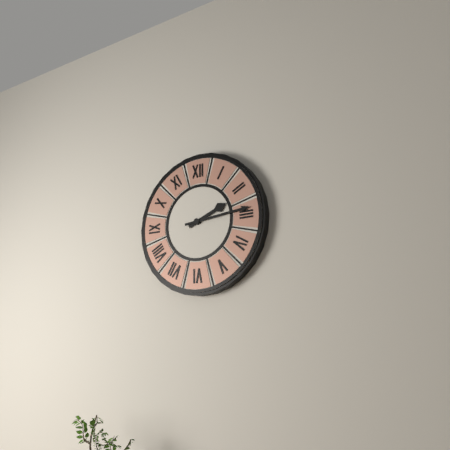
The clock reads {"hour": 2, "minute": 14}
